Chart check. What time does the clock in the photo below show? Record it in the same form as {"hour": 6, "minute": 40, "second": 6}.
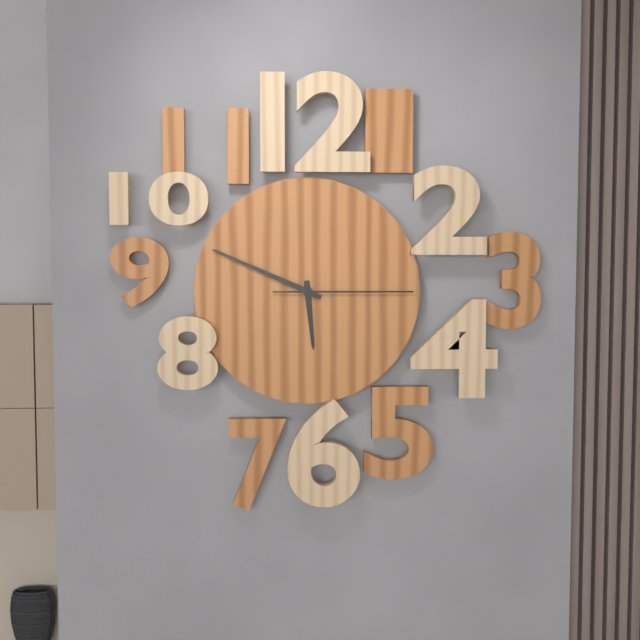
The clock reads {"hour": 5, "minute": 49, "second": 15}
